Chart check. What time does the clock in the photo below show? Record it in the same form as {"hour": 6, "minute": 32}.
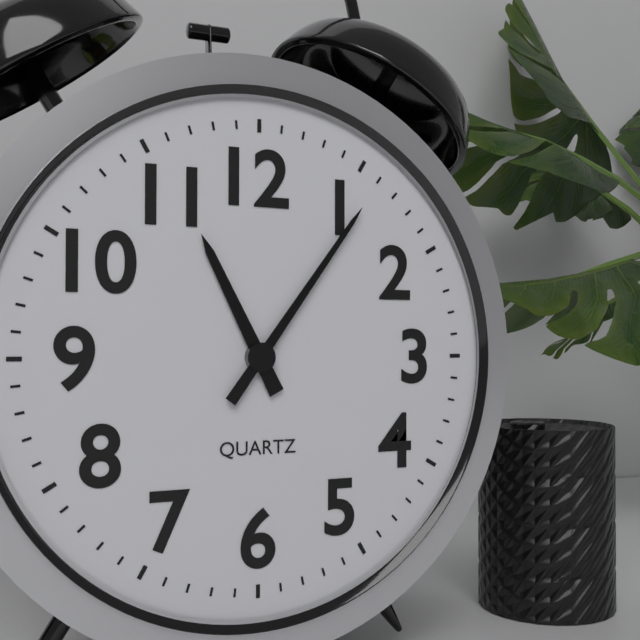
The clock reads {"hour": 11, "minute": 6}
